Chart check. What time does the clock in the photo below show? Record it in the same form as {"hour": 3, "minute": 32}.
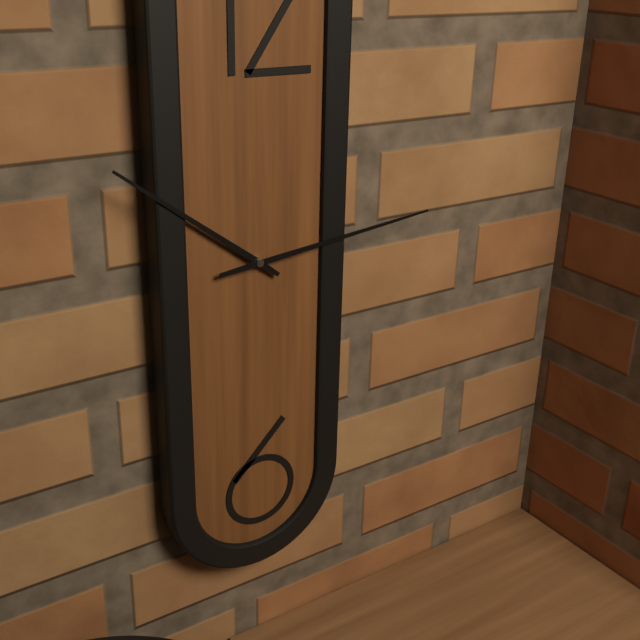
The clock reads {"hour": 10, "minute": 14}
